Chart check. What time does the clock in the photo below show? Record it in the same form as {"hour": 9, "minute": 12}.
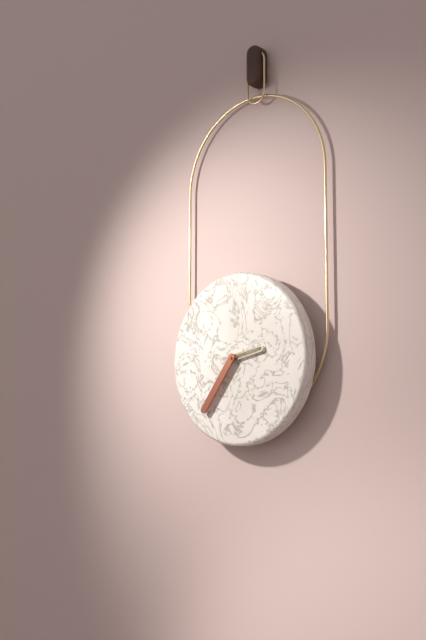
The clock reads {"hour": 2, "minute": 36}
